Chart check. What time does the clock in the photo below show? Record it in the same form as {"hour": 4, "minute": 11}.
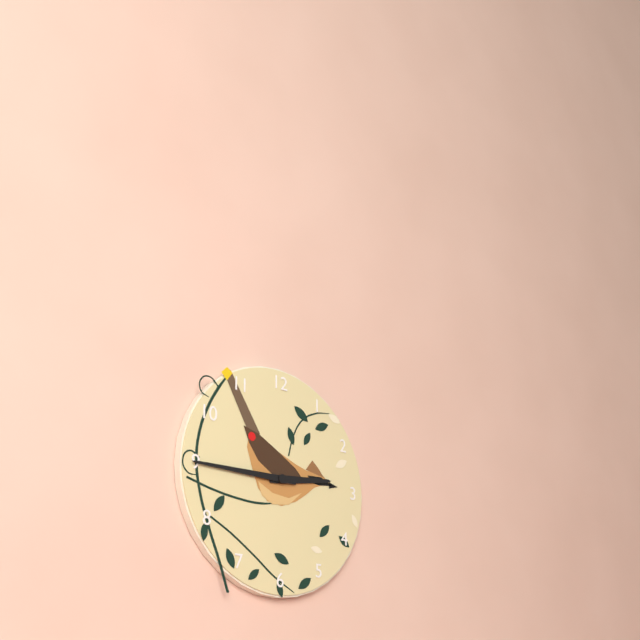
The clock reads {"hour": 2, "minute": 45}
